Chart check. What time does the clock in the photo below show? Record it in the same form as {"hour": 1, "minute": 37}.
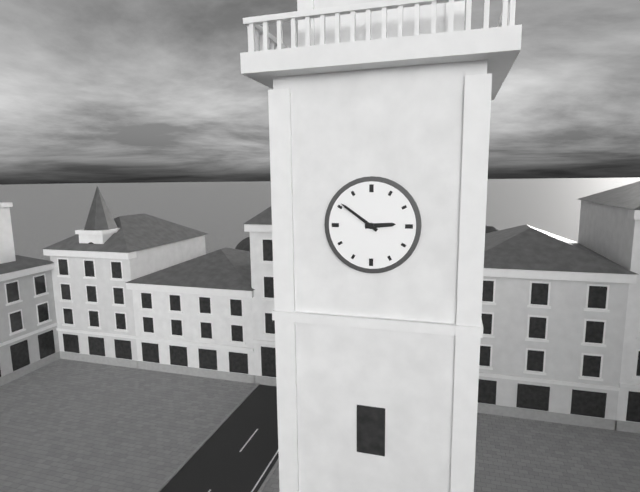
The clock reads {"hour": 2, "minute": 51}
